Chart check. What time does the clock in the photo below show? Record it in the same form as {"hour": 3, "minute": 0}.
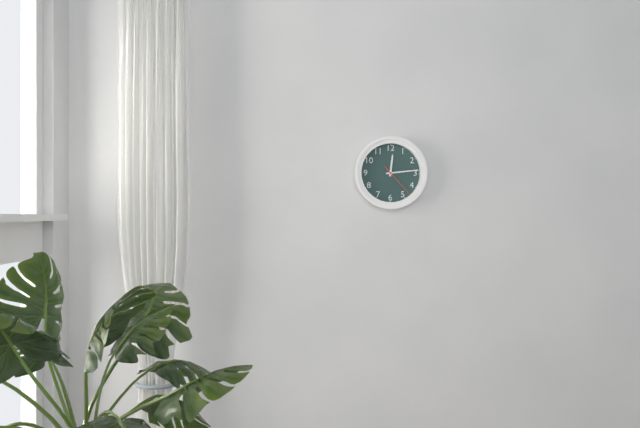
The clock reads {"hour": 12, "minute": 14}
